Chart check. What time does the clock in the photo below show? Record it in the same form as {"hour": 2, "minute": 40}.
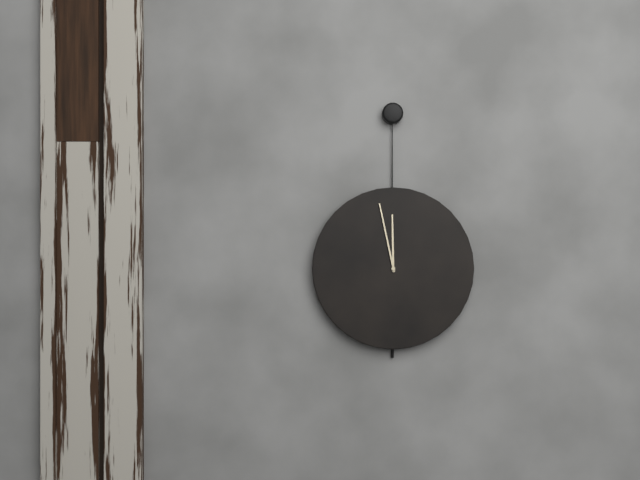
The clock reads {"hour": 11, "minute": 58}
